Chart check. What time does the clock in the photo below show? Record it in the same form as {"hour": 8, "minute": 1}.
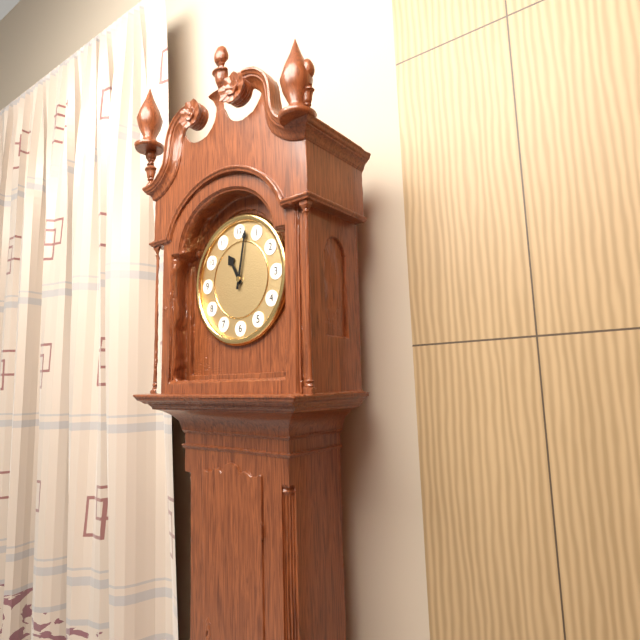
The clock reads {"hour": 11, "minute": 2}
